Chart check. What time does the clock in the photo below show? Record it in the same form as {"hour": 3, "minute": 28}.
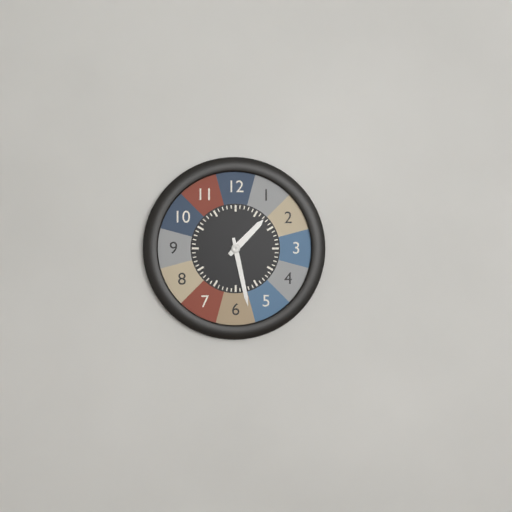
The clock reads {"hour": 1, "minute": 28}
